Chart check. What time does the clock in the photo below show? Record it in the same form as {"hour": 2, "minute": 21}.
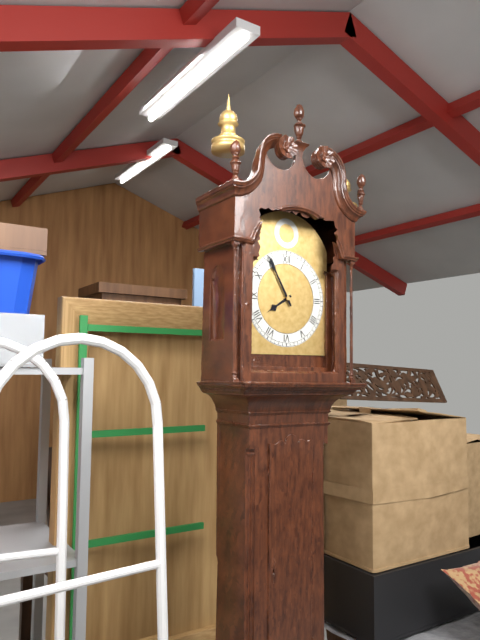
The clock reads {"hour": 7, "minute": 55}
